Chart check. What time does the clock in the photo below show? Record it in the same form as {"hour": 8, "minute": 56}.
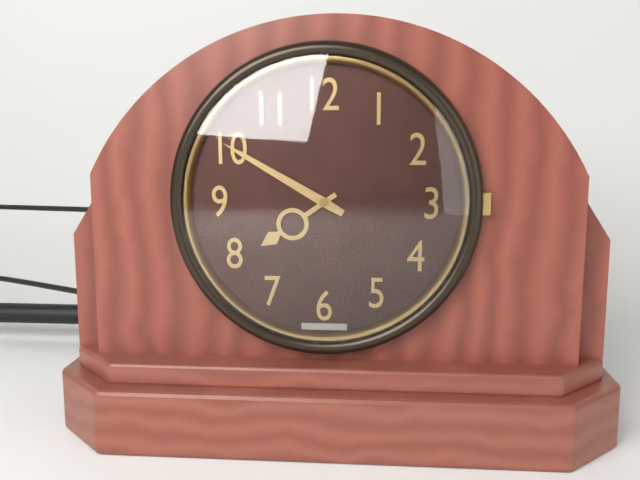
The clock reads {"hour": 7, "minute": 50}
